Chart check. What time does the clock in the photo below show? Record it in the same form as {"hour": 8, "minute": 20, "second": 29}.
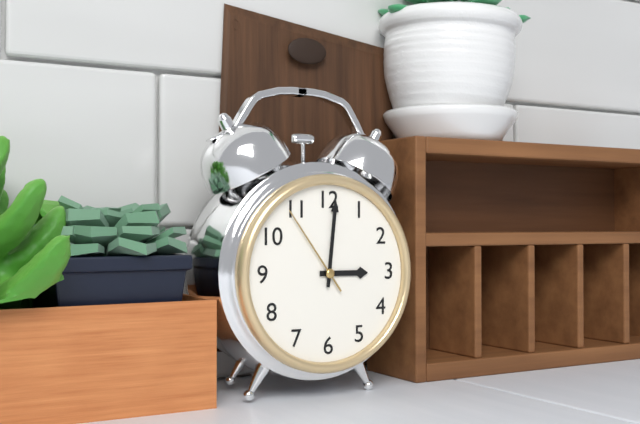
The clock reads {"hour": 3, "minute": 1, "second": 54}
